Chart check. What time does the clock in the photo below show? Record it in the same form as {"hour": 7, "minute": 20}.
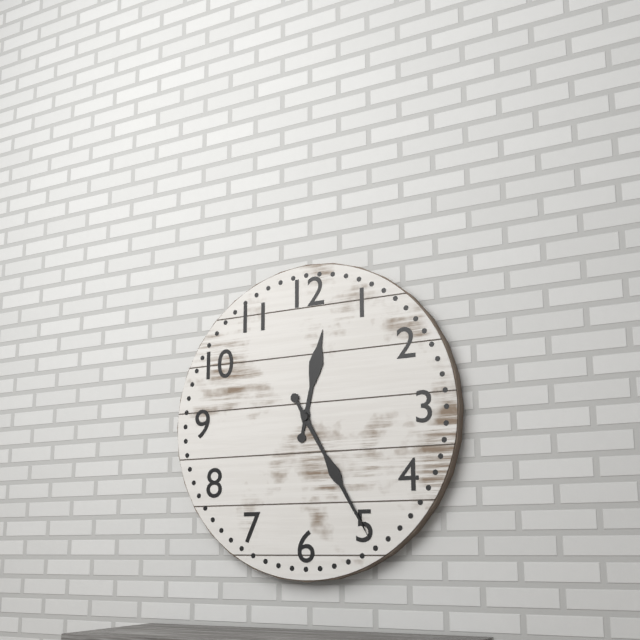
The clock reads {"hour": 12, "minute": 25}
